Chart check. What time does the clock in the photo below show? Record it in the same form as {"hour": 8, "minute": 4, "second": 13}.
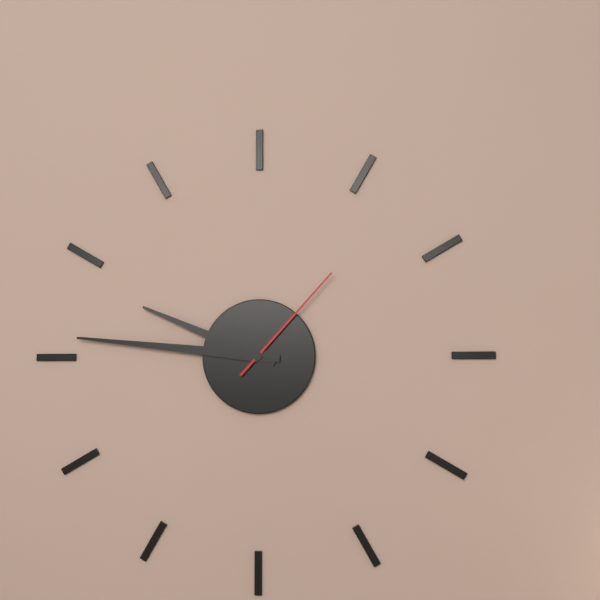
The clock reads {"hour": 9, "minute": 46, "second": 7}
